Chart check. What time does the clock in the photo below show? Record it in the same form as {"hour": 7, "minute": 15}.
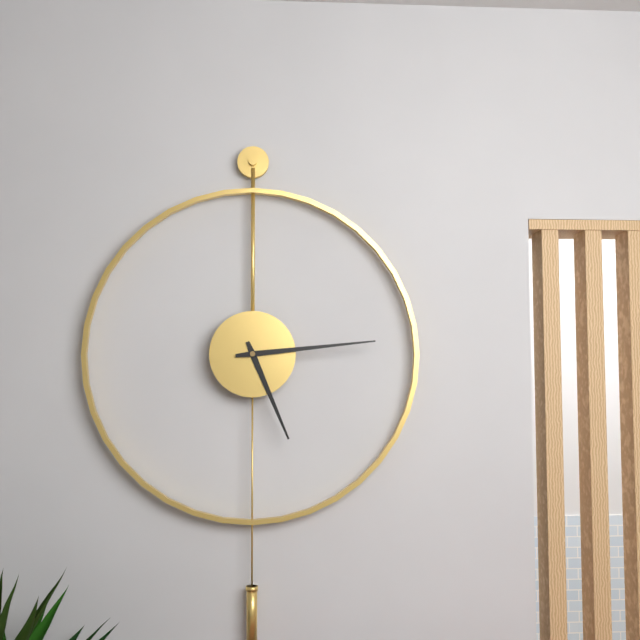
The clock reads {"hour": 5, "minute": 14}
